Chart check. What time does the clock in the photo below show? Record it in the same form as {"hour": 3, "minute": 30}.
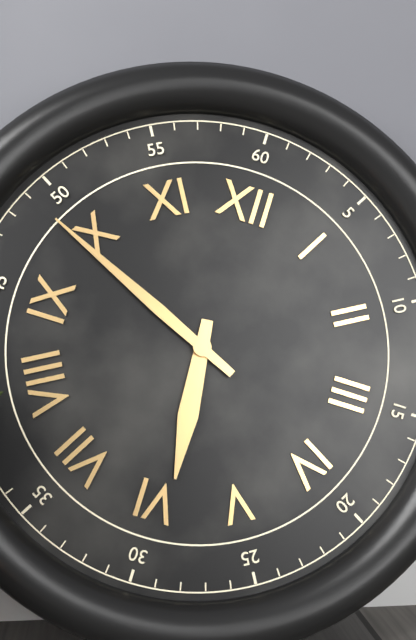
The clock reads {"hour": 5, "minute": 49}
